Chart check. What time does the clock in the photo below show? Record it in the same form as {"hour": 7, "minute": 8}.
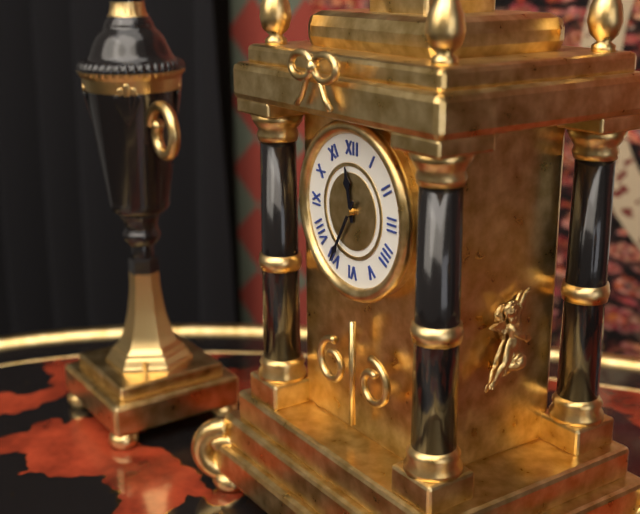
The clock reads {"hour": 11, "minute": 35}
